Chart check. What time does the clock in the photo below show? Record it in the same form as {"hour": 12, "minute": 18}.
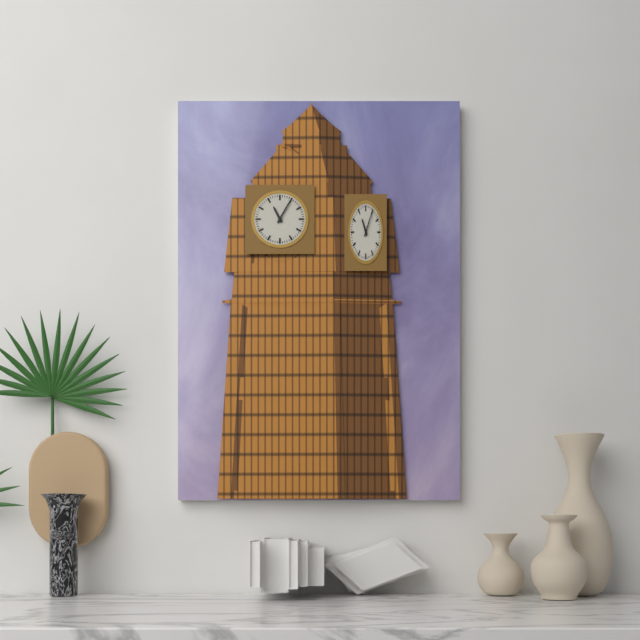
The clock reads {"hour": 11, "minute": 5}
